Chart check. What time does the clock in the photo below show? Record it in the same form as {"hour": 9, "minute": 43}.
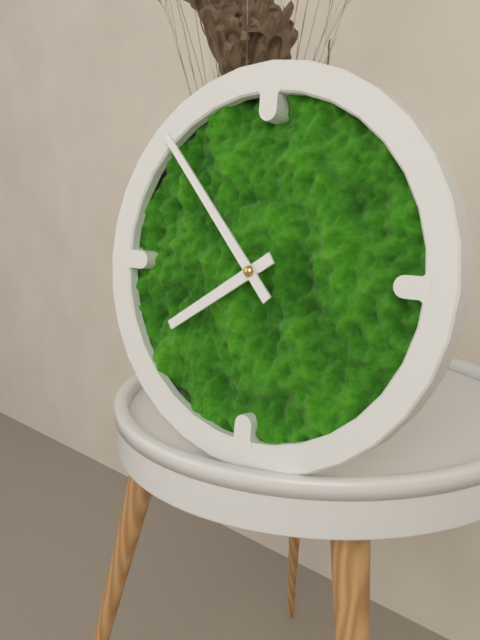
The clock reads {"hour": 7, "minute": 53}
